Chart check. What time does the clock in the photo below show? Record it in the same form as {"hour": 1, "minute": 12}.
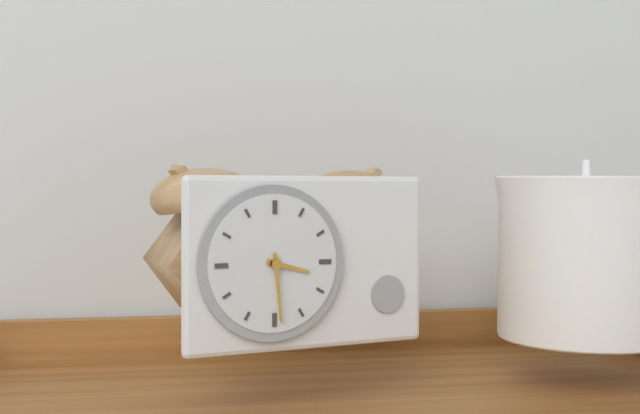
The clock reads {"hour": 3, "minute": 29}
